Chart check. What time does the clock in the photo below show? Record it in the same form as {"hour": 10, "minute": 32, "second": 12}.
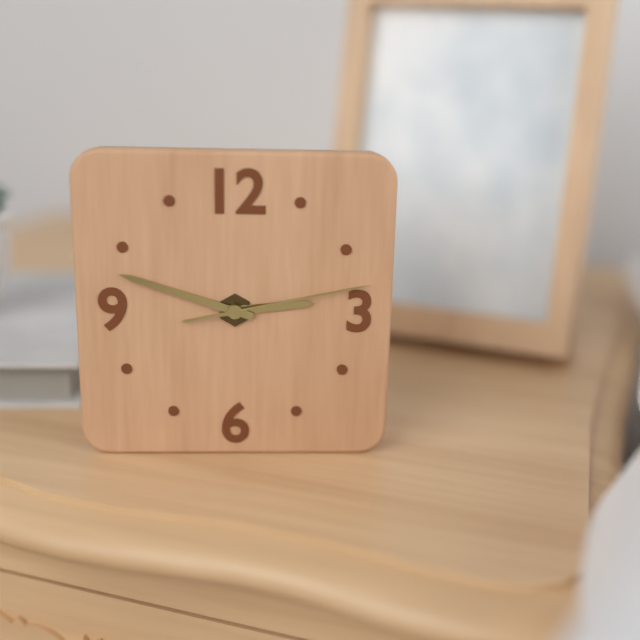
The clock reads {"hour": 2, "minute": 48, "second": 13}
